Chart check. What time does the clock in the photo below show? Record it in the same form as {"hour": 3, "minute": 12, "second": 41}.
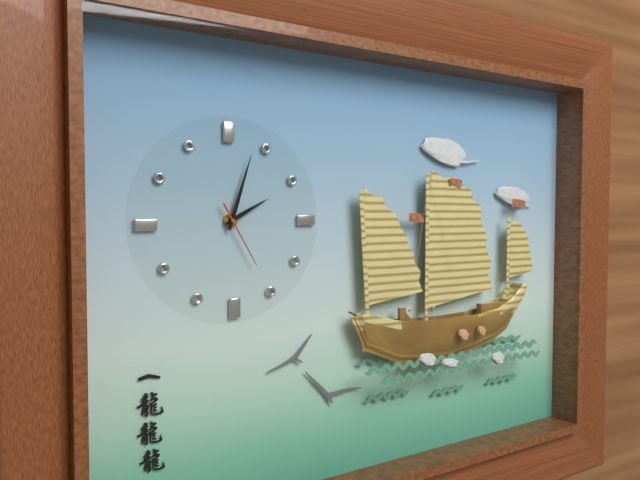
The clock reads {"hour": 2, "minute": 3, "second": 25}
